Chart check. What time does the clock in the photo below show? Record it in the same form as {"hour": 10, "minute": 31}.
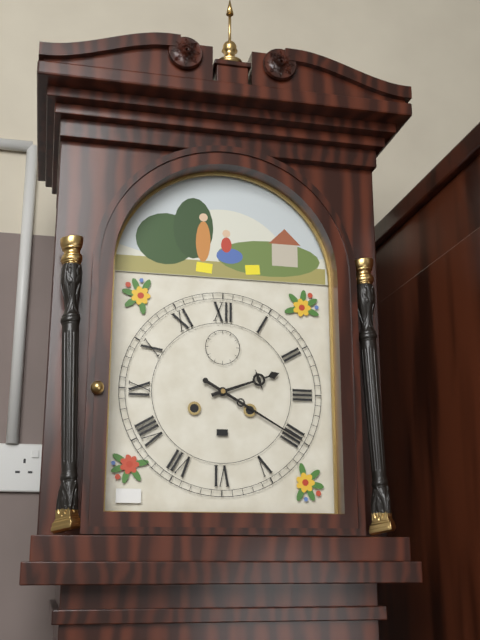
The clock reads {"hour": 2, "minute": 20}
